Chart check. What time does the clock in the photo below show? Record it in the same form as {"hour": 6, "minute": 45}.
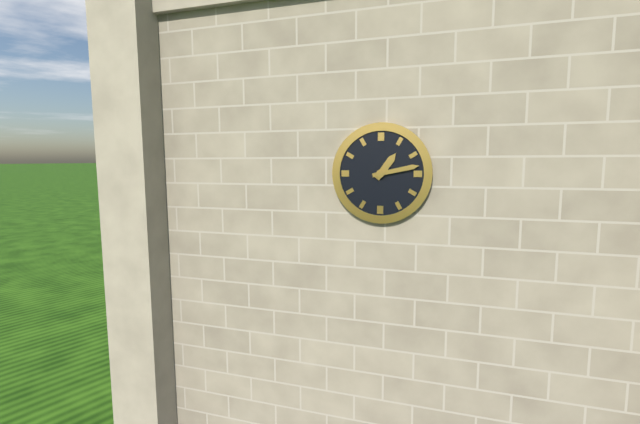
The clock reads {"hour": 1, "minute": 13}
